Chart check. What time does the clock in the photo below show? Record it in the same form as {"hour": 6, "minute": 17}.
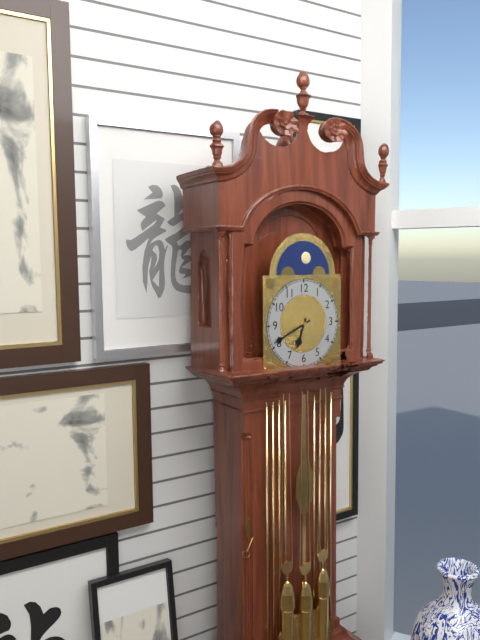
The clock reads {"hour": 6, "minute": 41}
